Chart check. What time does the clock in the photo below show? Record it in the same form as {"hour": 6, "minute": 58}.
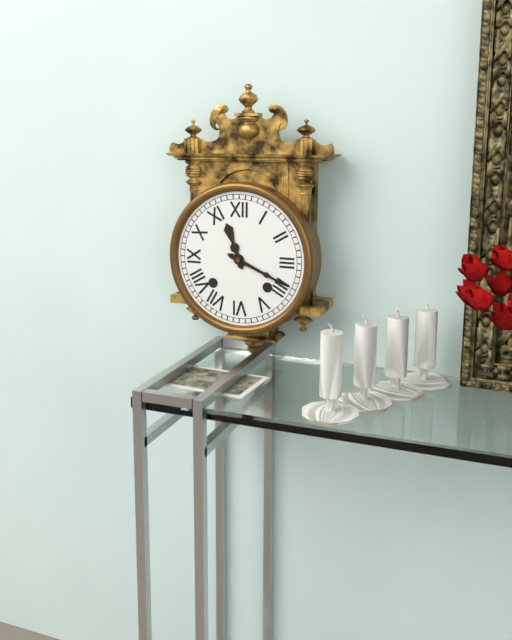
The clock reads {"hour": 11, "minute": 19}
